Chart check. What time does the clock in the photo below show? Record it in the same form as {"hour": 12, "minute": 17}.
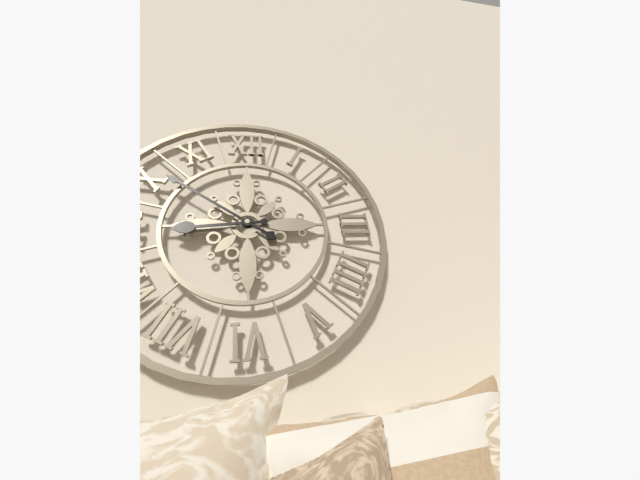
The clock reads {"hour": 8, "minute": 51}
